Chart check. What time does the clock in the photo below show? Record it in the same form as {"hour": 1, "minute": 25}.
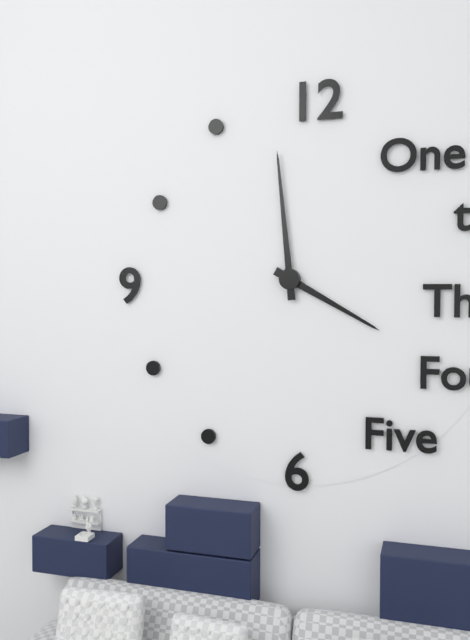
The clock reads {"hour": 3, "minute": 59}
